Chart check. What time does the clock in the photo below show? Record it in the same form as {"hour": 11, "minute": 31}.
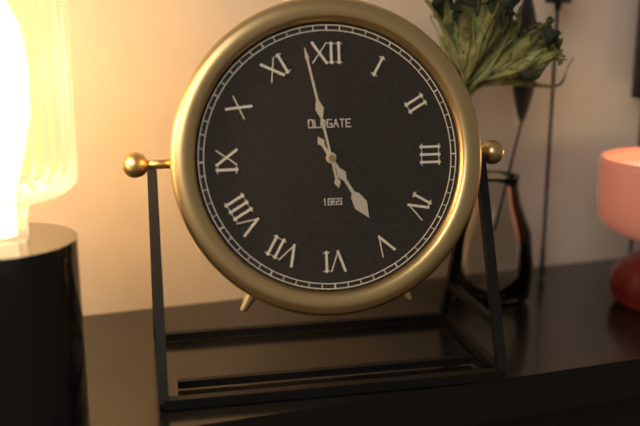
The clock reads {"hour": 4, "minute": 58}
